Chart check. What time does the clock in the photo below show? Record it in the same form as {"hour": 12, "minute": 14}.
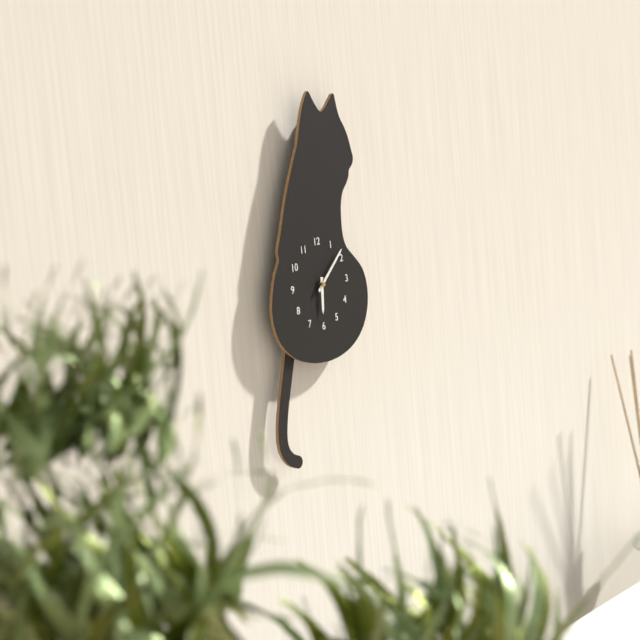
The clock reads {"hour": 6, "minute": 8}
